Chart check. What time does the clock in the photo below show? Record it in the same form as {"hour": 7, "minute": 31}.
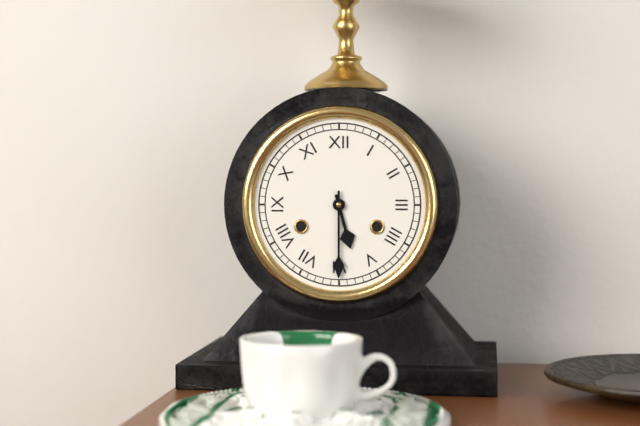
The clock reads {"hour": 5, "minute": 30}
